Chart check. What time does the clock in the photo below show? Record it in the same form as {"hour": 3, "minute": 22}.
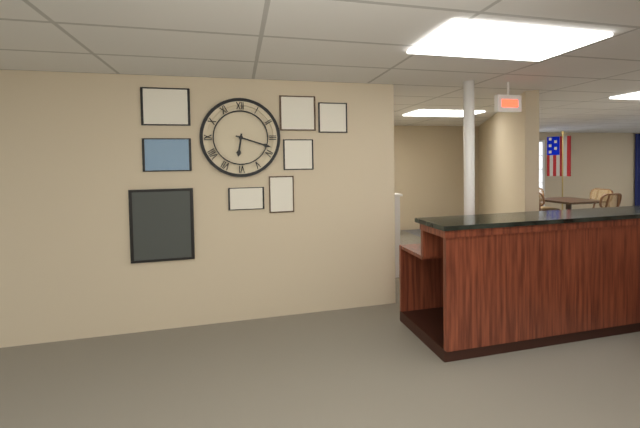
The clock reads {"hour": 6, "minute": 18}
